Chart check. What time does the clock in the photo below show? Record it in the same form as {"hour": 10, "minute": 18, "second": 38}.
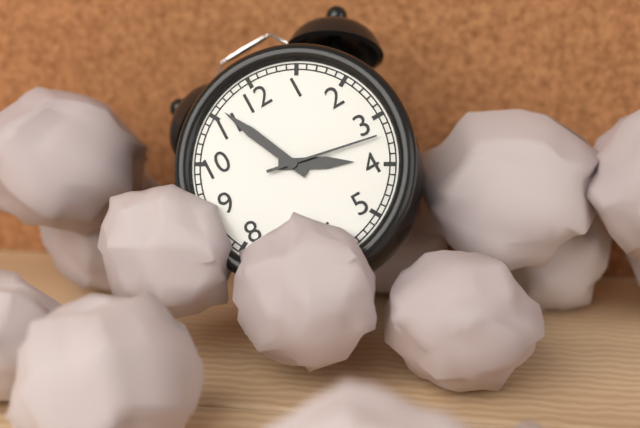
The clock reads {"hour": 3, "minute": 56, "second": 17}
